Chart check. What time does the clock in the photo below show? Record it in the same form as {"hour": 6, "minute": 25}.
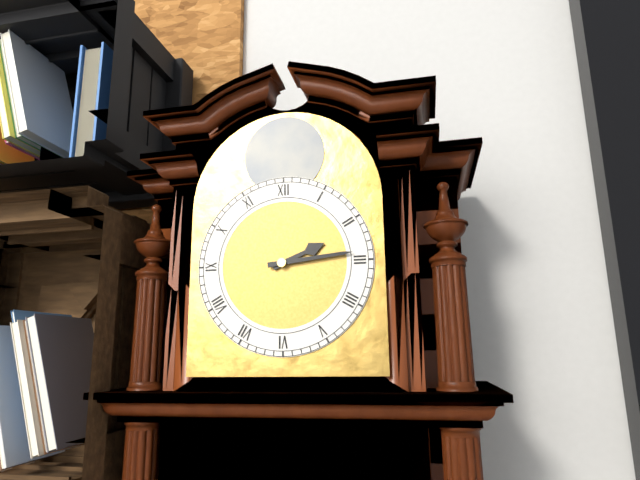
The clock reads {"hour": 2, "minute": 14}
